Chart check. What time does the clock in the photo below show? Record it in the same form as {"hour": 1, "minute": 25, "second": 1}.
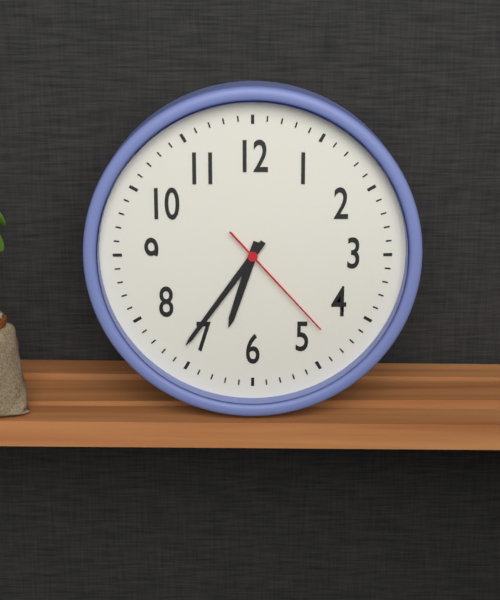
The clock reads {"hour": 6, "minute": 36, "second": 23}
